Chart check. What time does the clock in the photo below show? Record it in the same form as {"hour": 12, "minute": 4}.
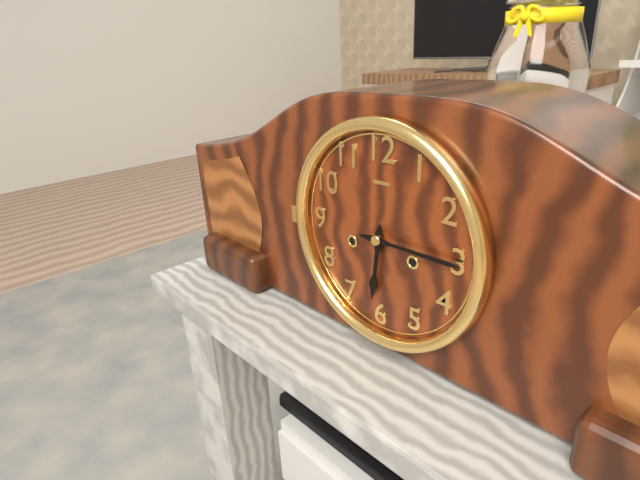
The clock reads {"hour": 6, "minute": 15}
